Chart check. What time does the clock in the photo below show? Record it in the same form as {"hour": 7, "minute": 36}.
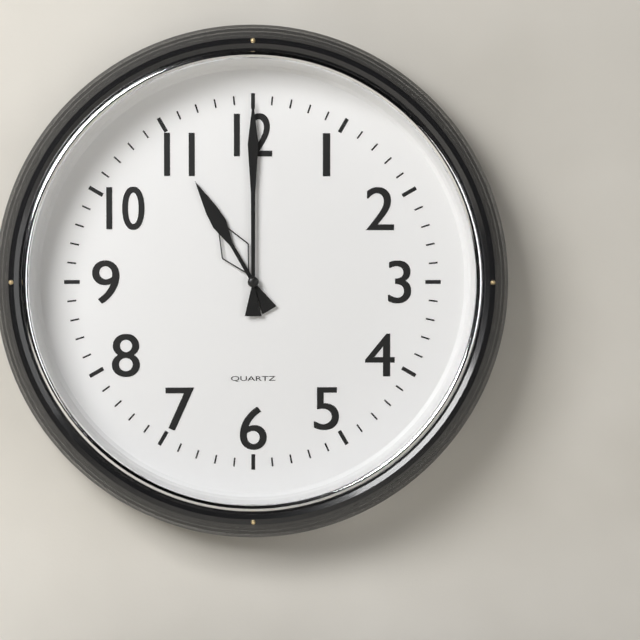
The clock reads {"hour": 11, "minute": 0}
